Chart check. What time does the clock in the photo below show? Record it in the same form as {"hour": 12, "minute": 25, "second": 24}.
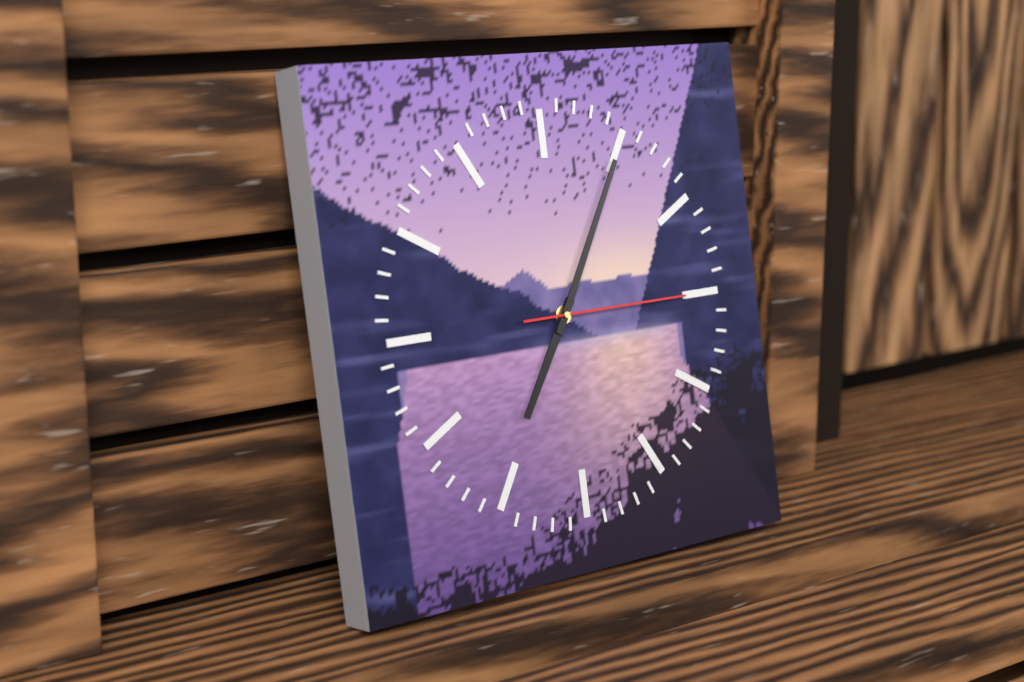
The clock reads {"hour": 7, "minute": 5, "second": 15}
